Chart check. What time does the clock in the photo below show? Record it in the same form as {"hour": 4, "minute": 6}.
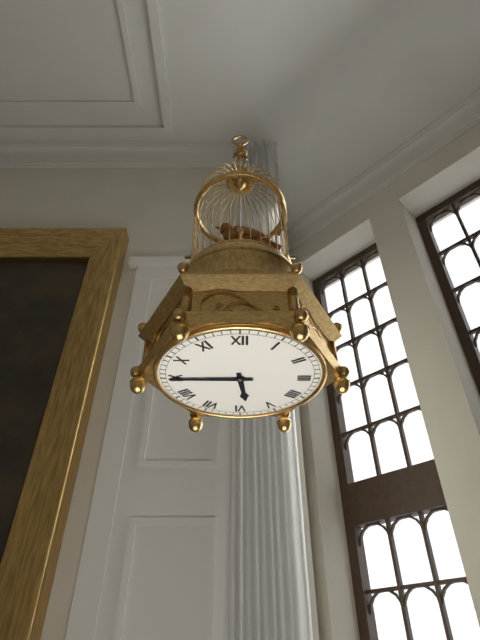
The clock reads {"hour": 5, "minute": 45}
